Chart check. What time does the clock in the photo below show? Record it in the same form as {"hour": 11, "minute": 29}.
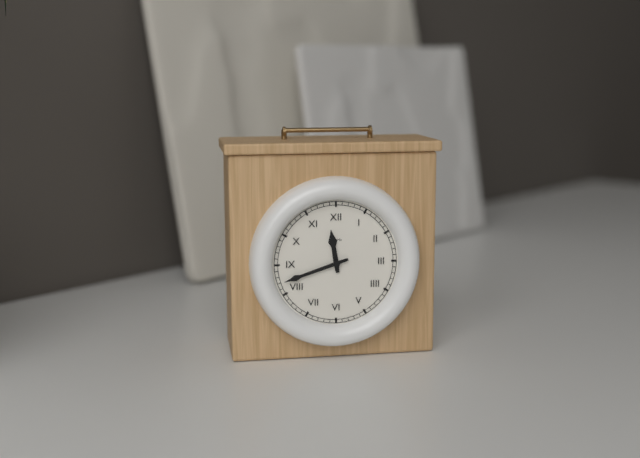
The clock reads {"hour": 11, "minute": 42}
